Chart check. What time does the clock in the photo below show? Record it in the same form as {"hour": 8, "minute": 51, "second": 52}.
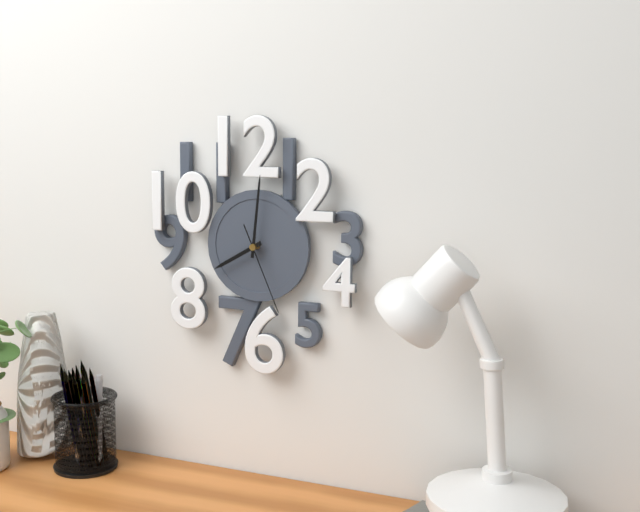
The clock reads {"hour": 8, "minute": 1, "second": 26}
